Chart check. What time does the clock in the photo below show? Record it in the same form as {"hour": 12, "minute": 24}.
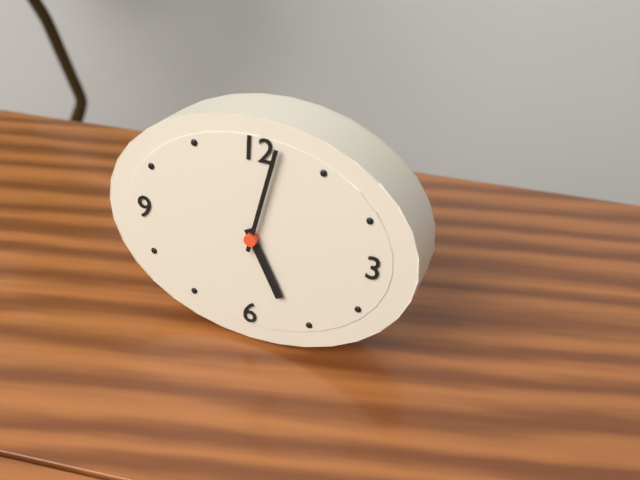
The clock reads {"hour": 5, "minute": 2}
